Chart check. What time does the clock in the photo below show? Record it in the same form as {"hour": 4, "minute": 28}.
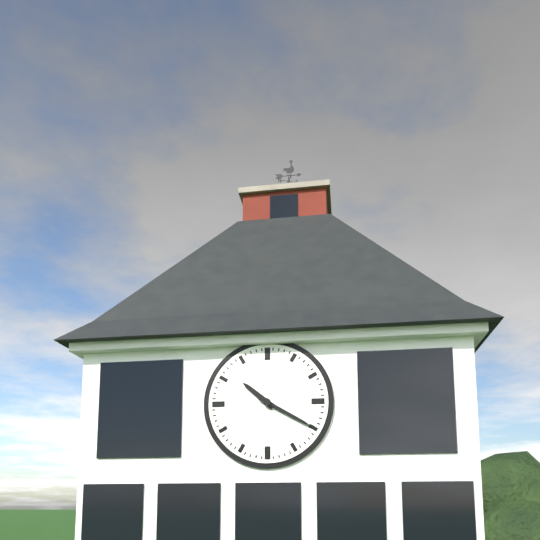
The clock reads {"hour": 10, "minute": 20}
